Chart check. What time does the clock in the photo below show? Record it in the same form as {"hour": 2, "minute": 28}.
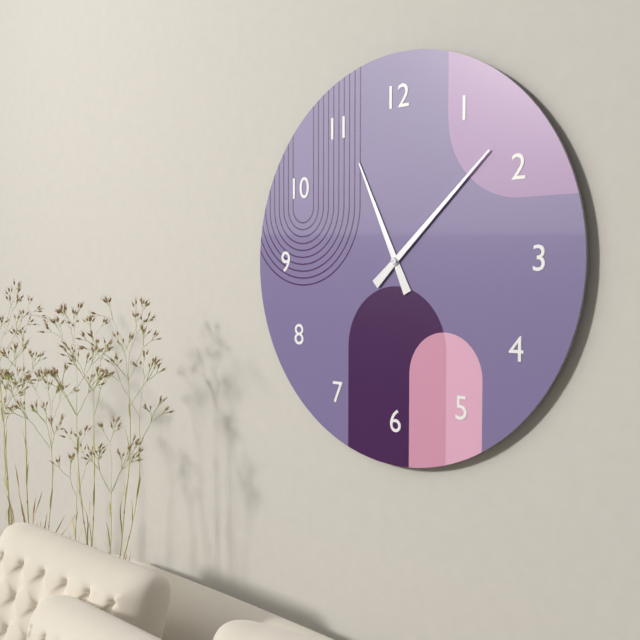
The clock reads {"hour": 11, "minute": 8}
